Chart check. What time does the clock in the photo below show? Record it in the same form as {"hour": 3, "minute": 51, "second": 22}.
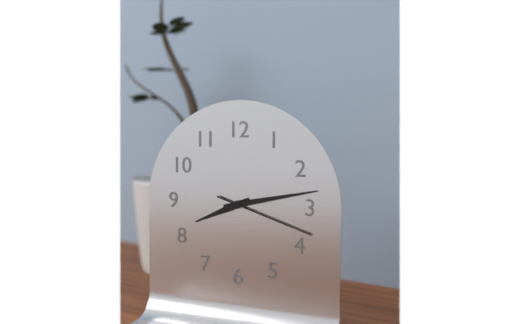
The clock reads {"hour": 8, "minute": 13, "second": 18}
